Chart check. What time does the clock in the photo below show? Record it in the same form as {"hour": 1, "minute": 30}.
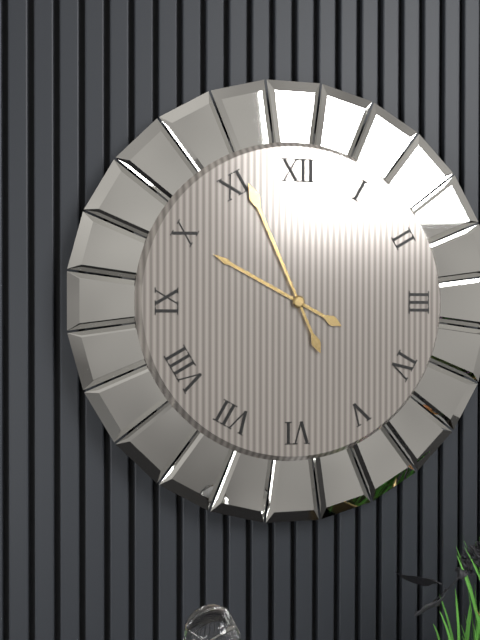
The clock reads {"hour": 9, "minute": 56}
